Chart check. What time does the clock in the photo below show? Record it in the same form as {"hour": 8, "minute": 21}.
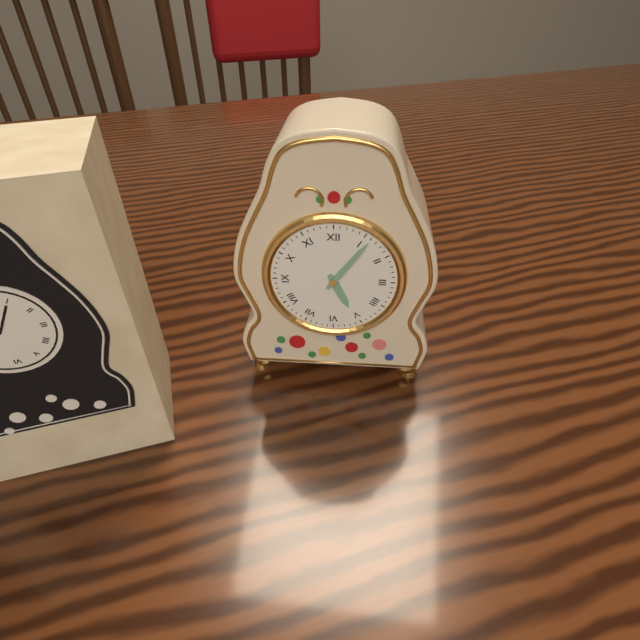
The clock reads {"hour": 5, "minute": 6}
